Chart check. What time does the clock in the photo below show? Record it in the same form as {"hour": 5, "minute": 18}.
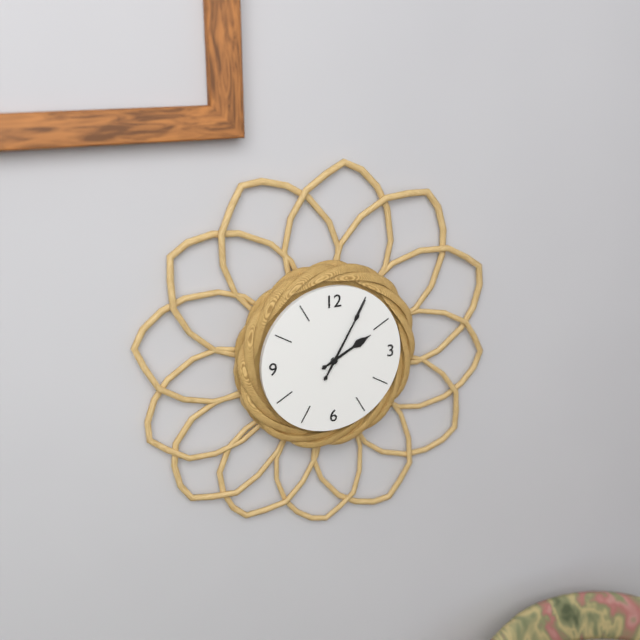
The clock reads {"hour": 2, "minute": 5}
